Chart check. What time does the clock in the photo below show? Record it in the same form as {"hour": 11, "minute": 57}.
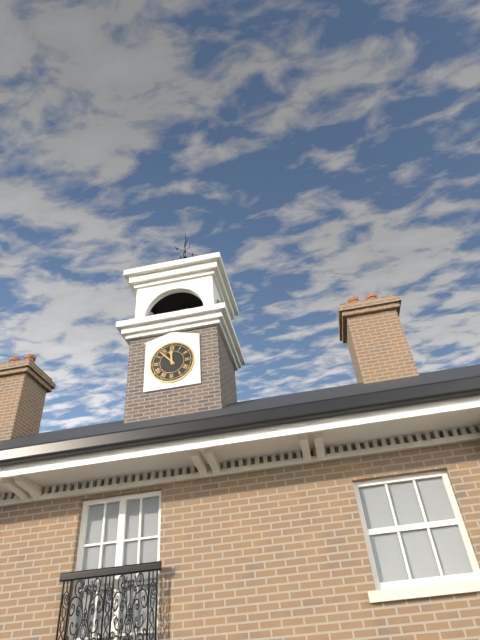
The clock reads {"hour": 11, "minute": 53}
